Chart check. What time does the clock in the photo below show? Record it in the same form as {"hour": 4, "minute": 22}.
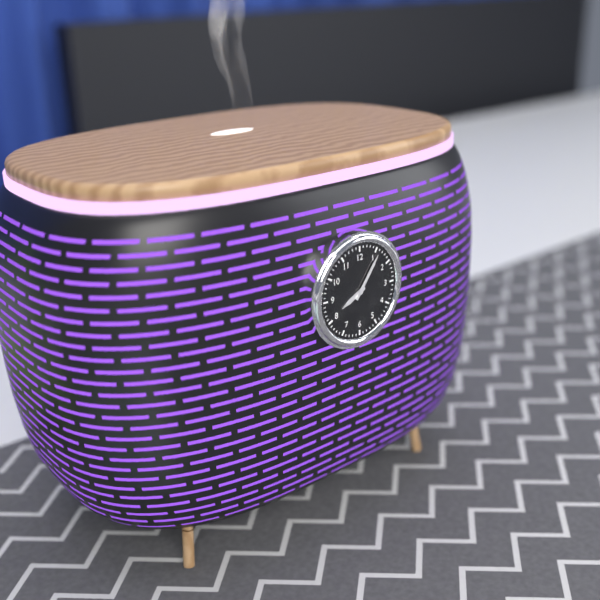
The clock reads {"hour": 8, "minute": 6}
